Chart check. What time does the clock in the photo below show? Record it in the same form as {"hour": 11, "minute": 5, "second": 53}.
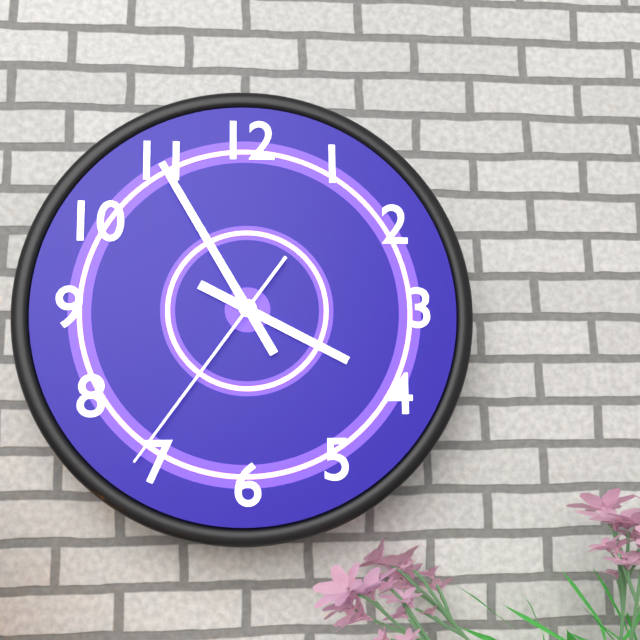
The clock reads {"hour": 3, "minute": 55, "second": 36}
